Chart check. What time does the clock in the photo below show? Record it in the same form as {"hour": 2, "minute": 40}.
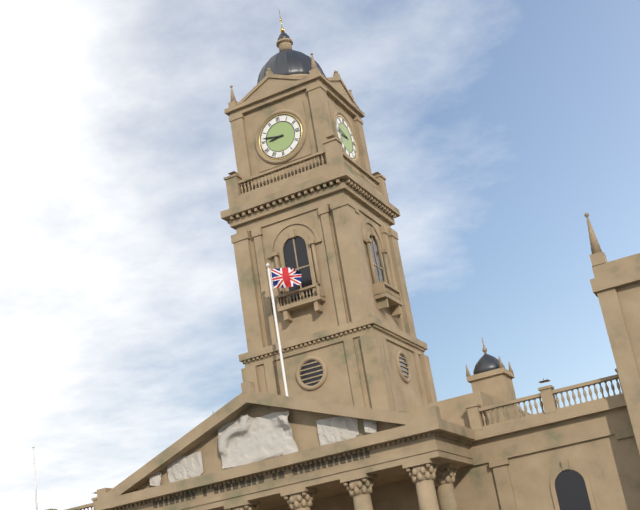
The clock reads {"hour": 8, "minute": 47}
